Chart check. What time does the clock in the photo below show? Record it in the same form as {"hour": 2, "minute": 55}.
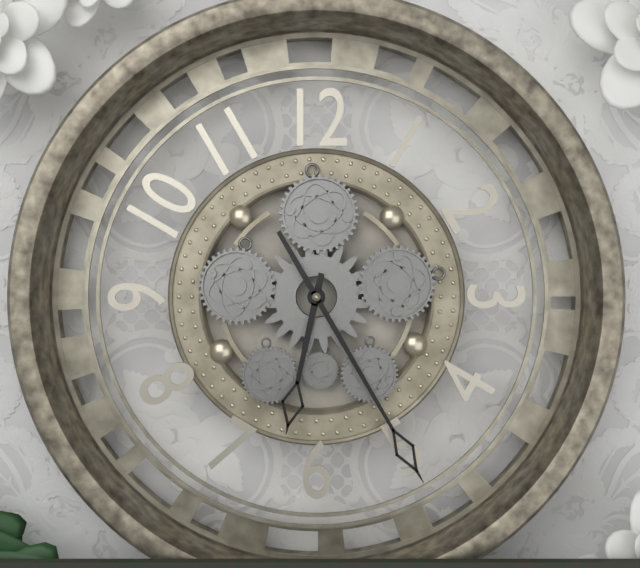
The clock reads {"hour": 6, "minute": 25}
